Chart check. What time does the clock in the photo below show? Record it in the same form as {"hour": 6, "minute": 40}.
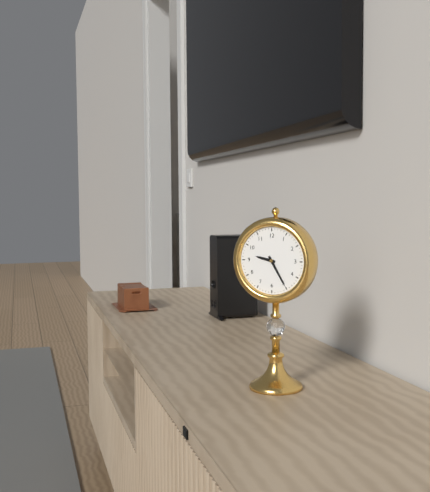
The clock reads {"hour": 9, "minute": 25}
